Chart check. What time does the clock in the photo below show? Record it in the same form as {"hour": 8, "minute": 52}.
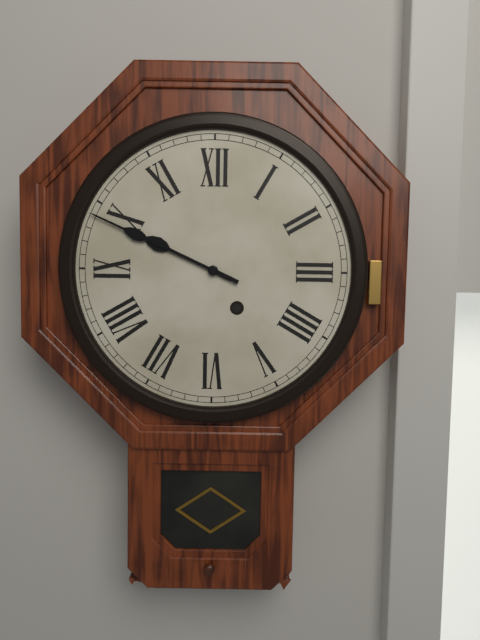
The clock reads {"hour": 9, "minute": 49}
